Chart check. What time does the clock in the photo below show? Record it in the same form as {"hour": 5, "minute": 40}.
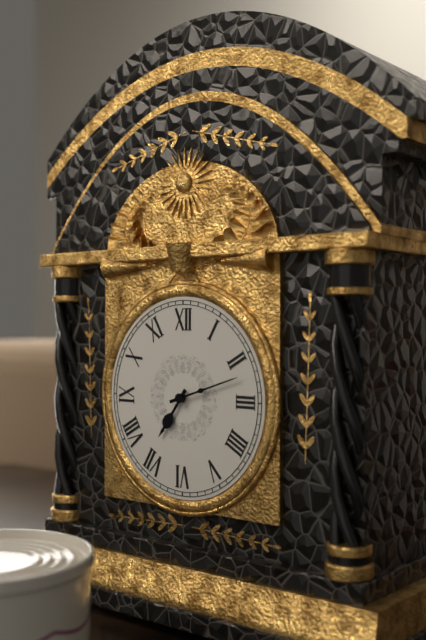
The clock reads {"hour": 7, "minute": 12}
